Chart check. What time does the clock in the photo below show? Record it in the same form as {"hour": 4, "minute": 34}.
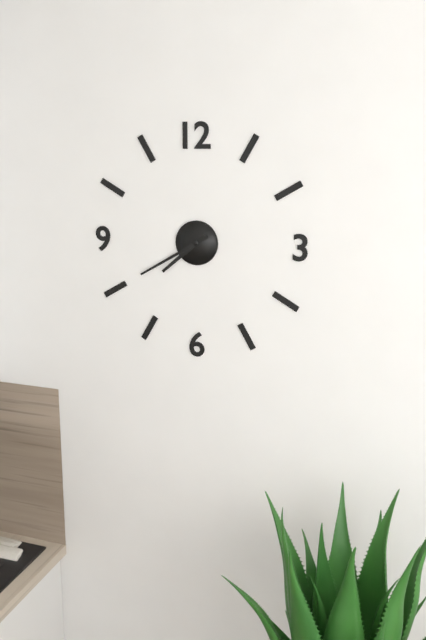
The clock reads {"hour": 7, "minute": 40}
